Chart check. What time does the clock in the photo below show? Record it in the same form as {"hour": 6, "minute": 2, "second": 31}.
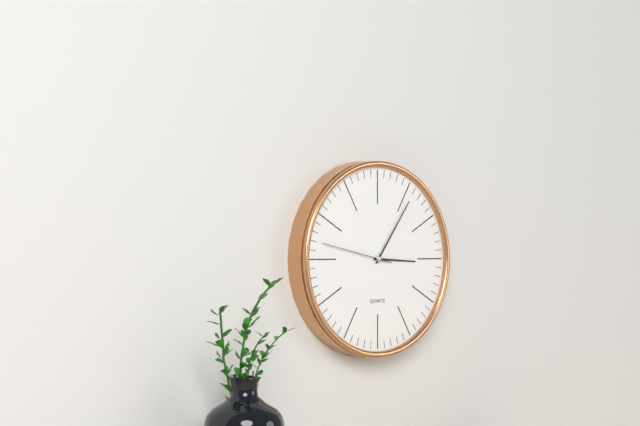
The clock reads {"hour": 3, "minute": 6, "second": 47}
